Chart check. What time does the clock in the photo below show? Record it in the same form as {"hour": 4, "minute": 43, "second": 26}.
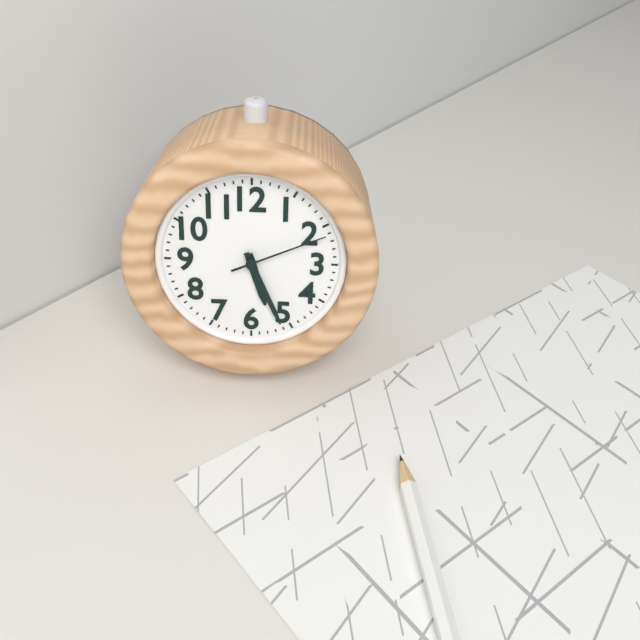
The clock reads {"hour": 5, "minute": 26, "second": 11}
